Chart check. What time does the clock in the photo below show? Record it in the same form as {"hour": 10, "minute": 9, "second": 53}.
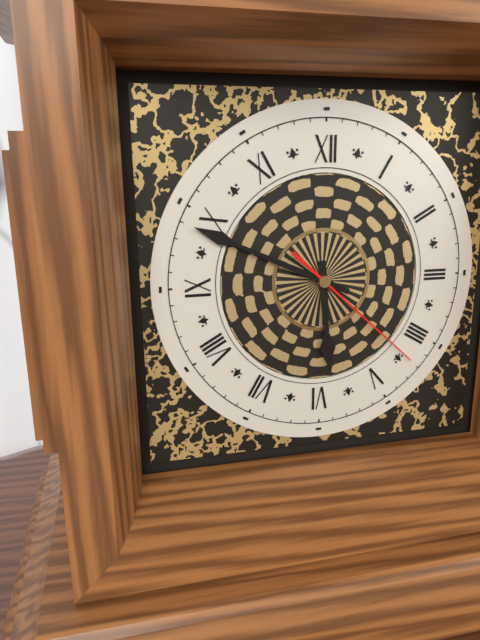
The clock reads {"hour": 5, "minute": 49, "second": 22}
